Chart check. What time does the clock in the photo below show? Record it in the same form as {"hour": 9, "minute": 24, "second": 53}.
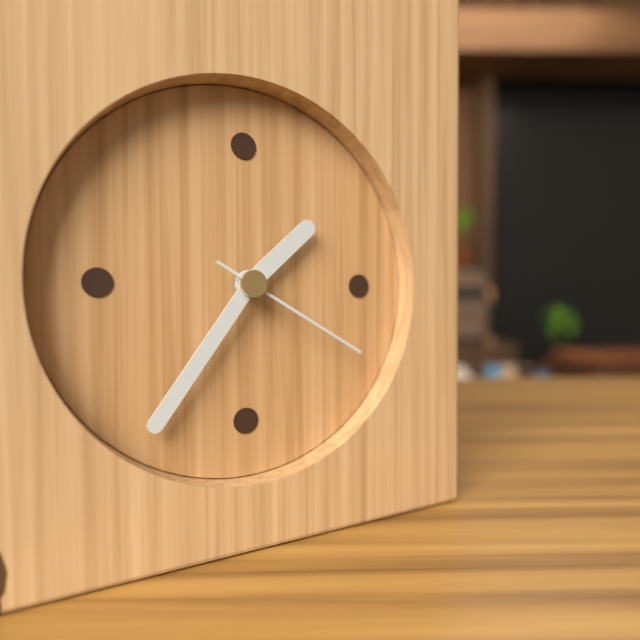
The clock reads {"hour": 1, "minute": 36, "second": 20}
